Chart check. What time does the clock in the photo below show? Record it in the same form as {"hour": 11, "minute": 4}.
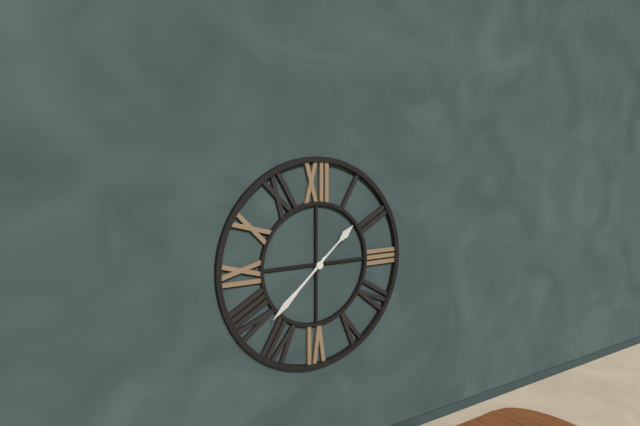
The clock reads {"hour": 1, "minute": 38}
